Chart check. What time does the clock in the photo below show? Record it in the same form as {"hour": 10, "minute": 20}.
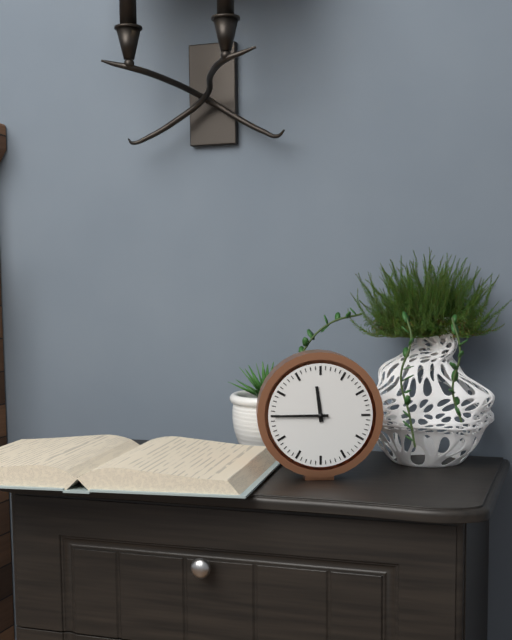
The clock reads {"hour": 11, "minute": 45}
